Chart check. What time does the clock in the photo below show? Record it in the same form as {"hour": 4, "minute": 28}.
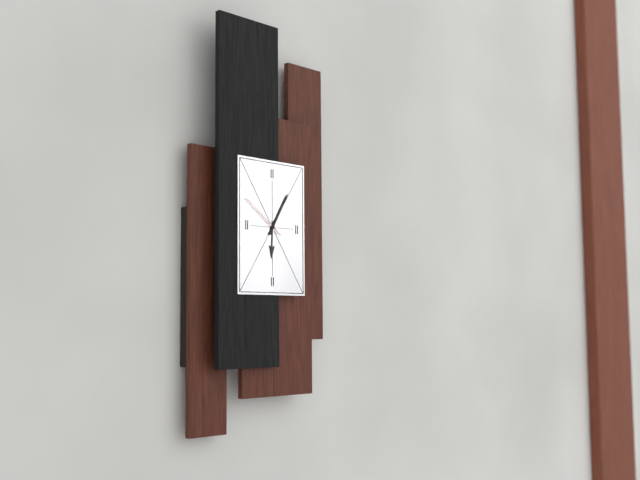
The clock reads {"hour": 6, "minute": 5}
